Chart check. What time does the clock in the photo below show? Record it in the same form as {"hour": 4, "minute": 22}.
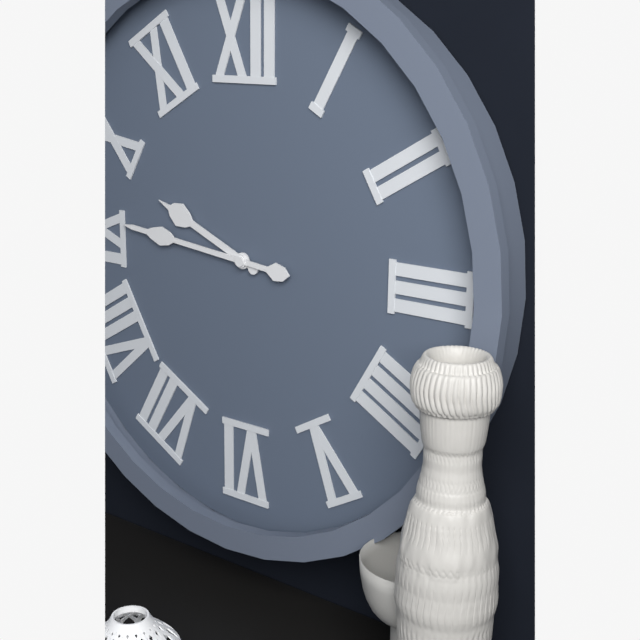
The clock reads {"hour": 9, "minute": 46}
